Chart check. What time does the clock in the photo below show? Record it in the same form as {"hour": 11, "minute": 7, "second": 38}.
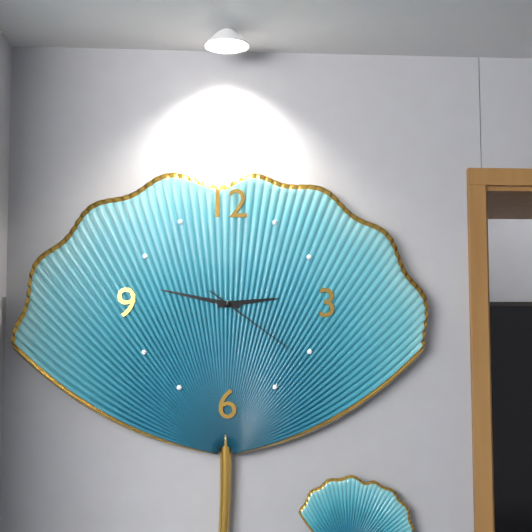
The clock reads {"hour": 2, "minute": 47, "second": 21}
